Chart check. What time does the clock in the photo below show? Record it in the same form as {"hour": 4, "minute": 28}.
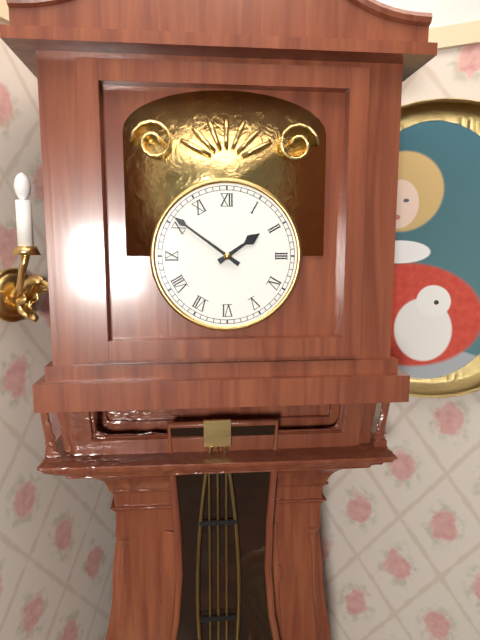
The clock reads {"hour": 1, "minute": 51}
